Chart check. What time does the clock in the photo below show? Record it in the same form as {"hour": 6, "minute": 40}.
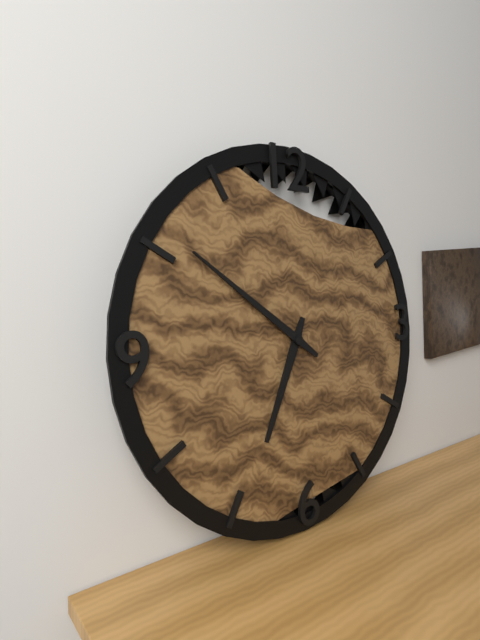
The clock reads {"hour": 6, "minute": 51}
